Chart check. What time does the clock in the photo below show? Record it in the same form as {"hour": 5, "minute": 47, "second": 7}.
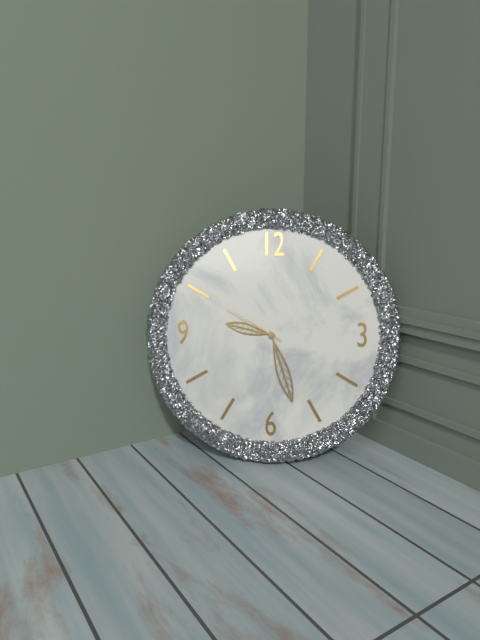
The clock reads {"hour": 9, "minute": 27, "second": 50}
